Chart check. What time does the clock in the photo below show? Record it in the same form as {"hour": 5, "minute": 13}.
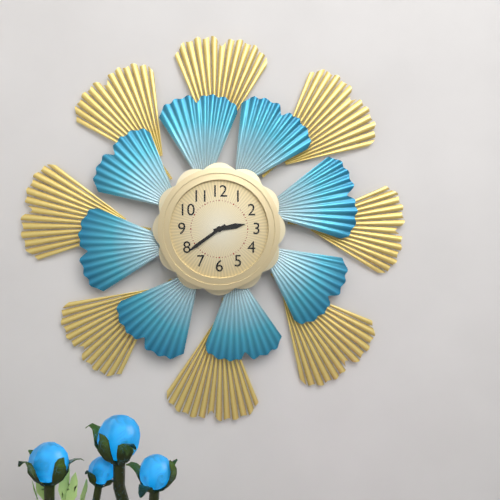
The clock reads {"hour": 2, "minute": 39}
